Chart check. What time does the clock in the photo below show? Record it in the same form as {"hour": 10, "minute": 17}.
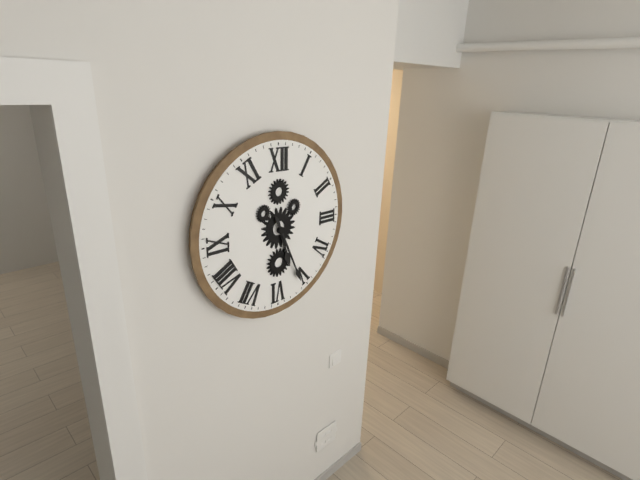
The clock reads {"hour": 5, "minute": 26}
